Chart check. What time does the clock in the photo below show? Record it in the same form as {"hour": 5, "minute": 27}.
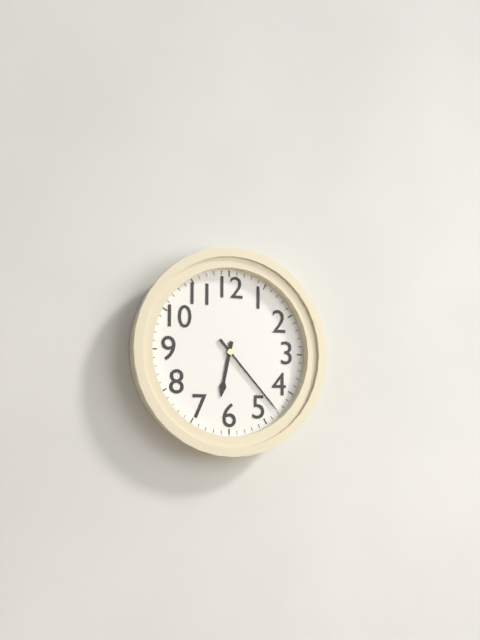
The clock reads {"hour": 6, "minute": 23}
